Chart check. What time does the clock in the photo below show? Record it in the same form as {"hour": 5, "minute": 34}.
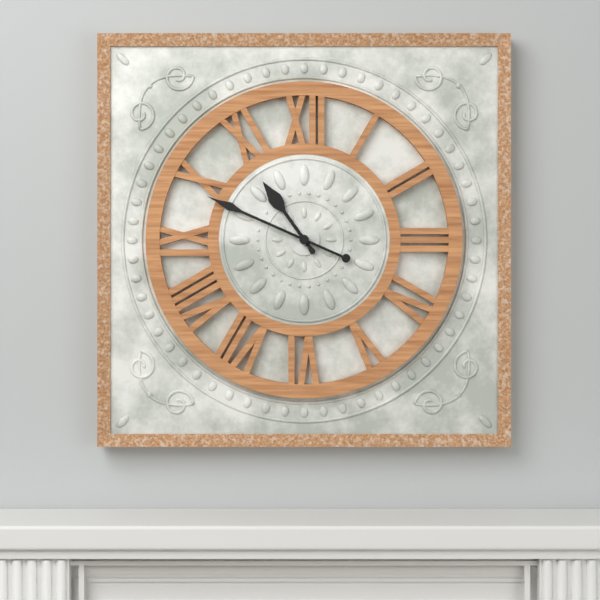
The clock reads {"hour": 10, "minute": 49}
